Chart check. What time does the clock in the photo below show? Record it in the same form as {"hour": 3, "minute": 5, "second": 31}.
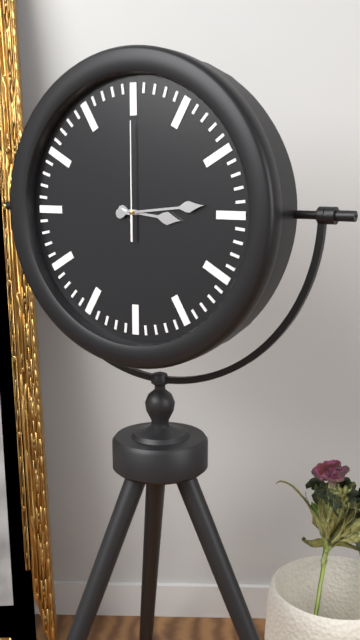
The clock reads {"hour": 3, "minute": 14, "second": 0}
